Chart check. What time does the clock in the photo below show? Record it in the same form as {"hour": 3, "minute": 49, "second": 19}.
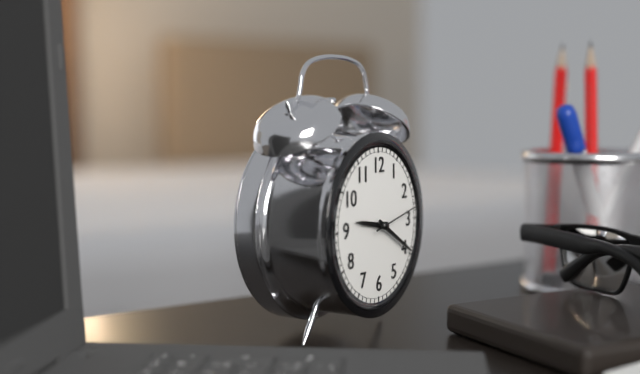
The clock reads {"hour": 9, "minute": 20, "second": 13}
